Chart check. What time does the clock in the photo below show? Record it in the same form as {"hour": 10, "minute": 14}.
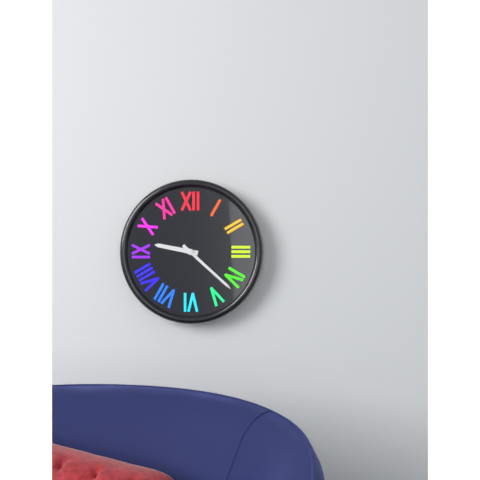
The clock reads {"hour": 9, "minute": 22}
